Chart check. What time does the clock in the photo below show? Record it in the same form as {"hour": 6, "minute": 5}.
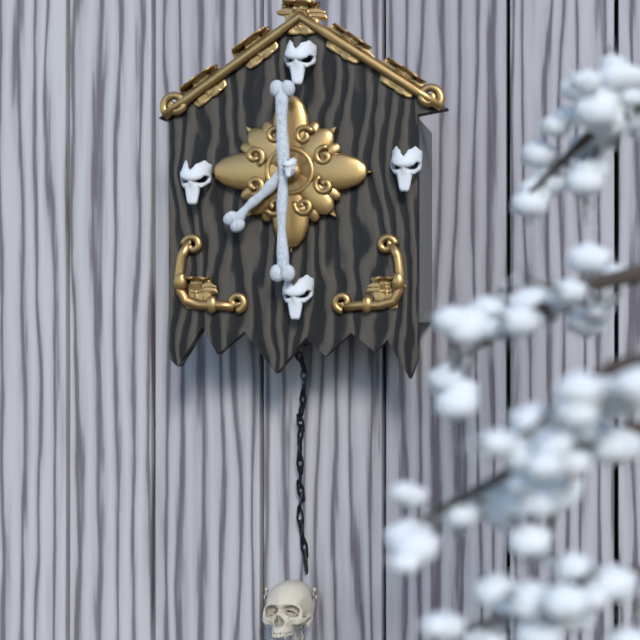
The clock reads {"hour": 7, "minute": 30}
